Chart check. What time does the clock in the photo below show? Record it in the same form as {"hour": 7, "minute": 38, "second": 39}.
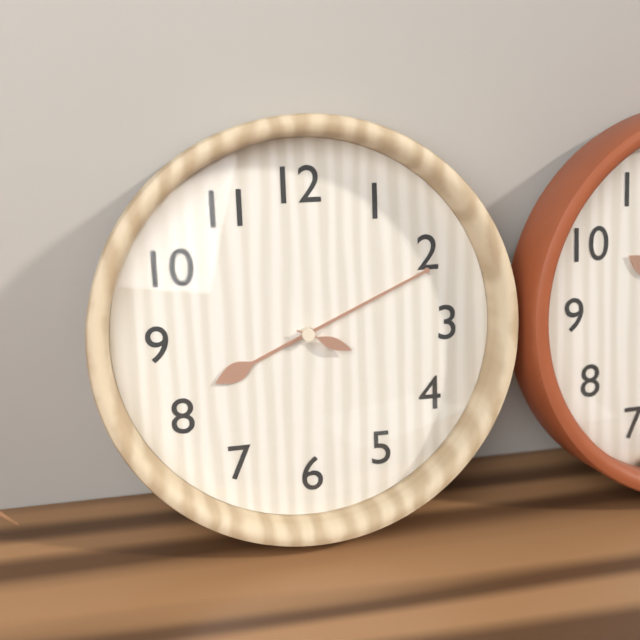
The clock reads {"hour": 8, "minute": 11, "second": 19}
